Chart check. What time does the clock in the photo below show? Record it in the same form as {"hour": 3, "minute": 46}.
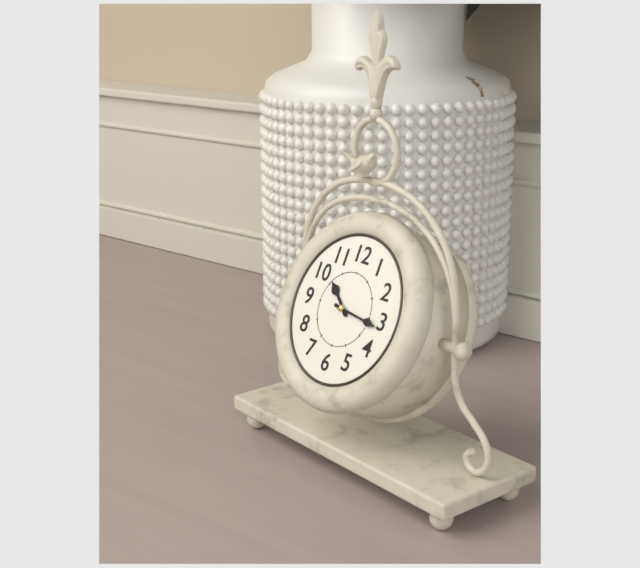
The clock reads {"hour": 10, "minute": 16}
